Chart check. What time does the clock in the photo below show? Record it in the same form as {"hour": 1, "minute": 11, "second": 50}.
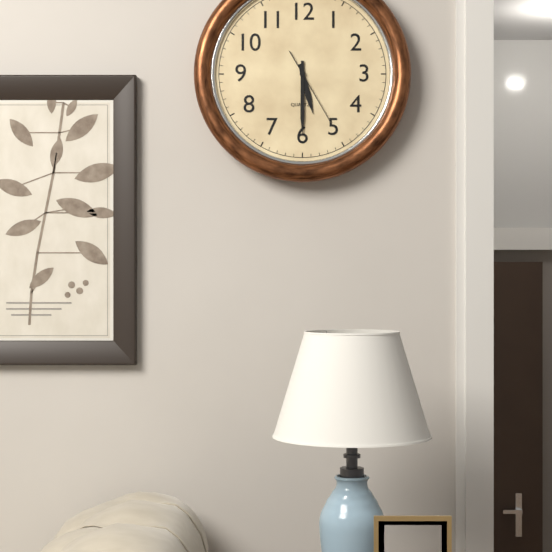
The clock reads {"hour": 5, "minute": 30, "second": 25}
